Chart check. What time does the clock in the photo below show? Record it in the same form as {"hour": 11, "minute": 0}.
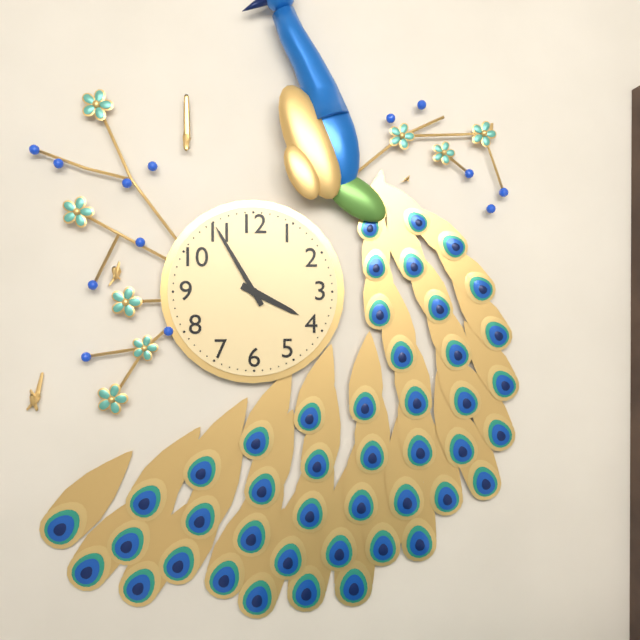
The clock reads {"hour": 3, "minute": 55}
